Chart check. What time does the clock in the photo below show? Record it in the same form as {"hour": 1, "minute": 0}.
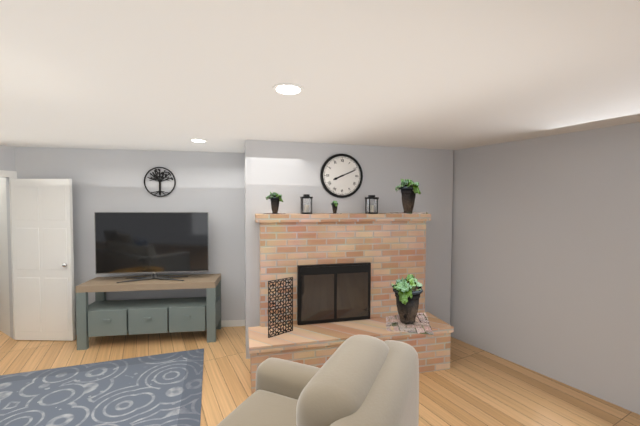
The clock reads {"hour": 8, "minute": 11}
